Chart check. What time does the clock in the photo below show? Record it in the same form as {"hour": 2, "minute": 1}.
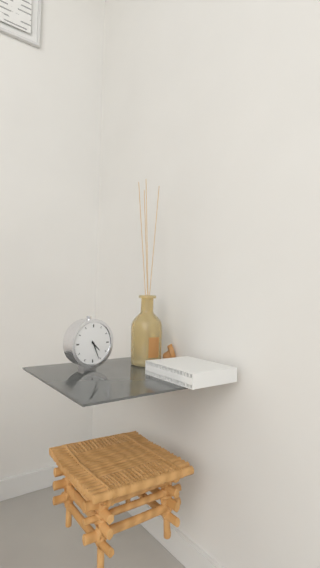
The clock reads {"hour": 4, "minute": 26}
